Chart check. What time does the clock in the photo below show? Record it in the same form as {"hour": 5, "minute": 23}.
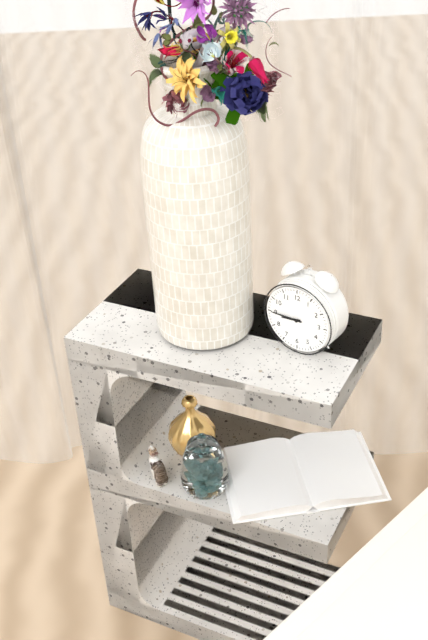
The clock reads {"hour": 8, "minute": 45}
